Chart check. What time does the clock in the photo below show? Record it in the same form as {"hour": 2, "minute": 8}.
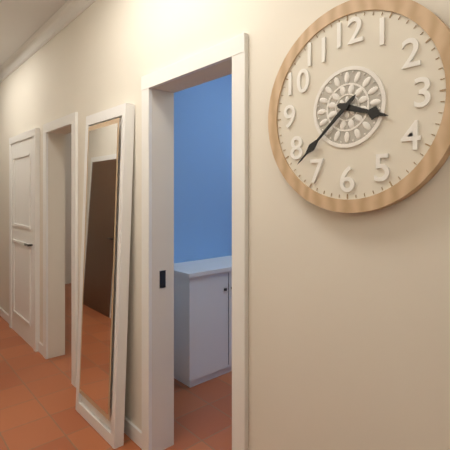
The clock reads {"hour": 3, "minute": 38}
